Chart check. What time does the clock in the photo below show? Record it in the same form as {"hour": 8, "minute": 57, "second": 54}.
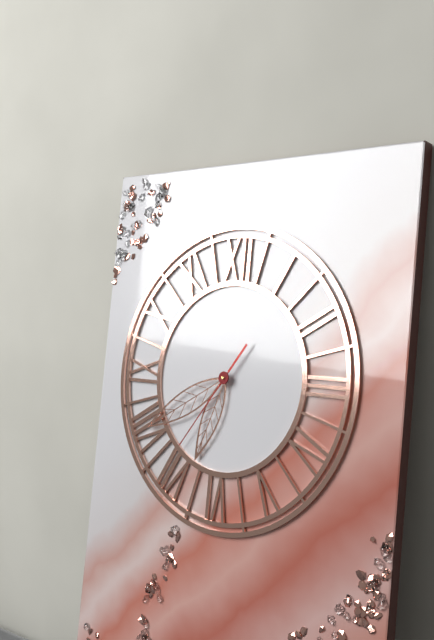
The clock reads {"hour": 6, "minute": 40, "second": 36}
